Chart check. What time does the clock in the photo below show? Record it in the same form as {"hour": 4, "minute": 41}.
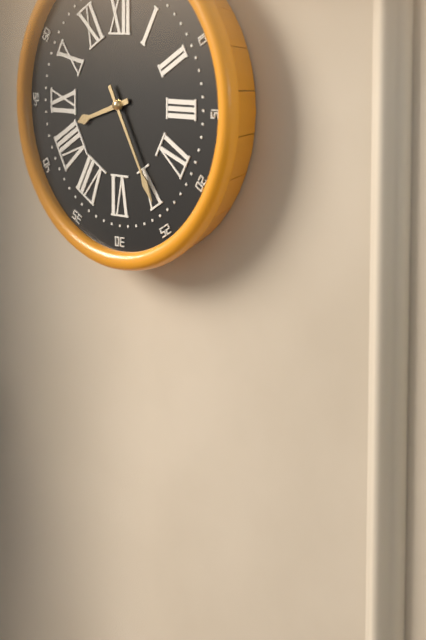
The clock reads {"hour": 8, "minute": 25}
